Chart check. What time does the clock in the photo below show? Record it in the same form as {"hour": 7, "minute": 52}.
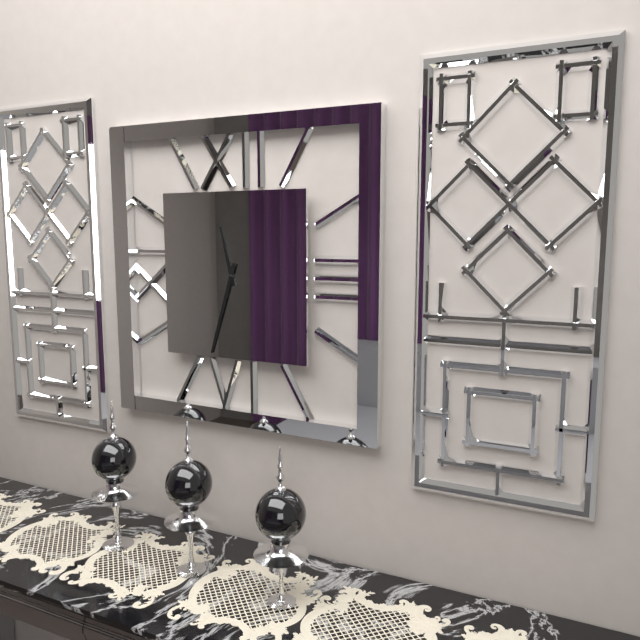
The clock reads {"hour": 11, "minute": 33}
